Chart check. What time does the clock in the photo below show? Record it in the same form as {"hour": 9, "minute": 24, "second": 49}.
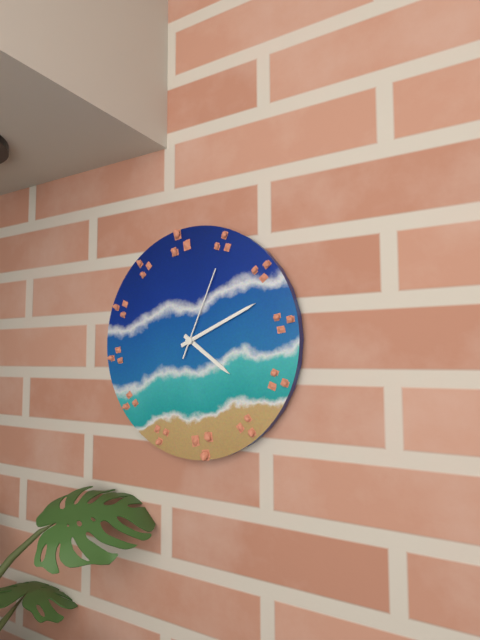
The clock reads {"hour": 4, "minute": 11, "second": 4}
